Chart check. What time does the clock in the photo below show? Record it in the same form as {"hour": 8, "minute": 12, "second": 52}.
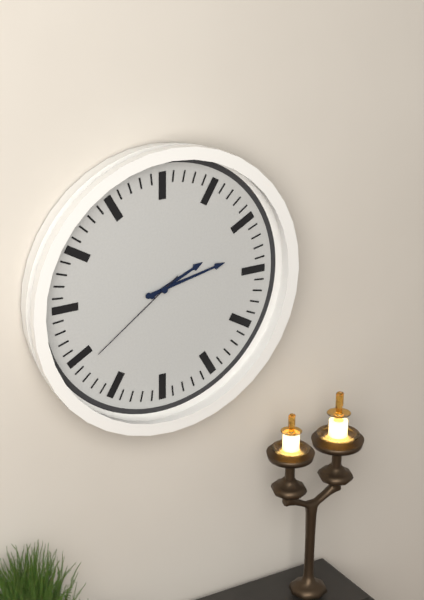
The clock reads {"hour": 2, "minute": 13, "second": 39}
